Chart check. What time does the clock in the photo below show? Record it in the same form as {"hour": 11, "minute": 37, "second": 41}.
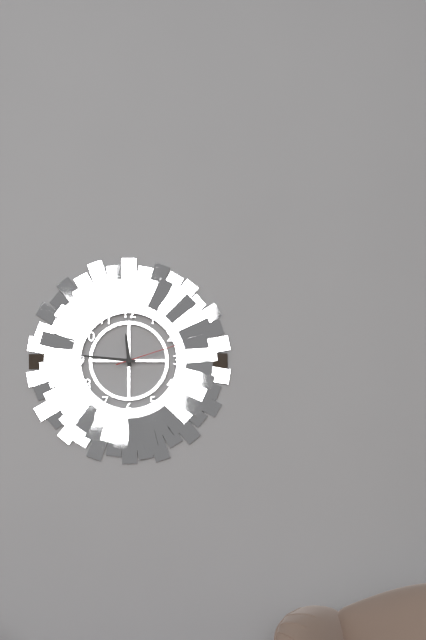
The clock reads {"hour": 11, "minute": 46, "second": 12}
